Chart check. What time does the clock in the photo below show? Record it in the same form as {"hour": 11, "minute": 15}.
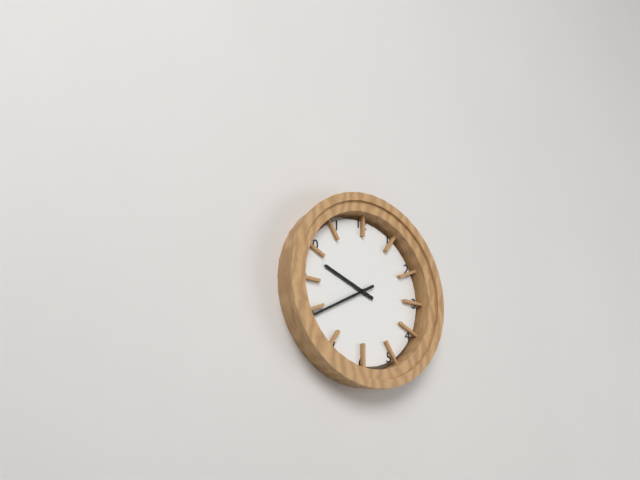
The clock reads {"hour": 9, "minute": 40}
